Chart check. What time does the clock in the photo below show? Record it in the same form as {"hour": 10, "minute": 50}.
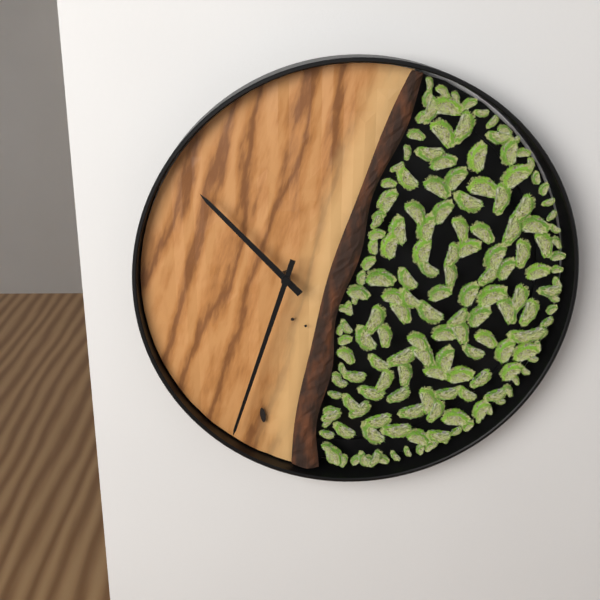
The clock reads {"hour": 10, "minute": 33}
